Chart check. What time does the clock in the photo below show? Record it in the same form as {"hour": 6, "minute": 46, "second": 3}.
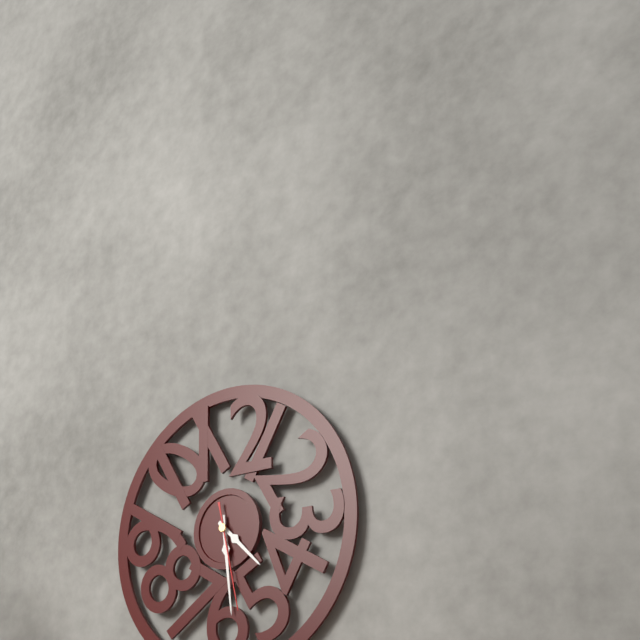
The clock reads {"hour": 4, "minute": 29, "second": 28}
